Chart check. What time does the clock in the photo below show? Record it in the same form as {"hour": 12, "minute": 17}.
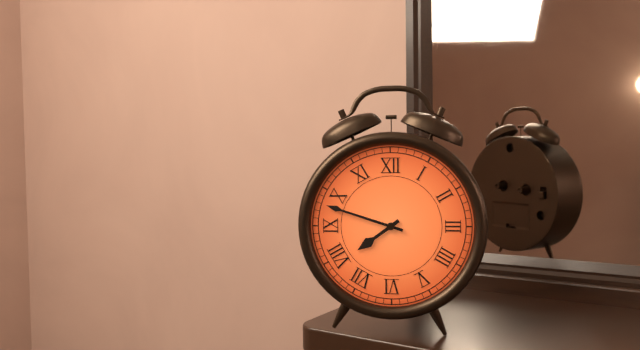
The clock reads {"hour": 7, "minute": 48}
